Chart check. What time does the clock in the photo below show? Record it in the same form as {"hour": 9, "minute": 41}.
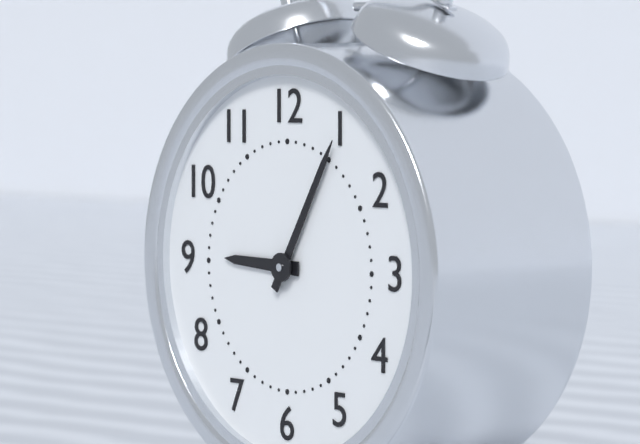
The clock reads {"hour": 9, "minute": 5}
